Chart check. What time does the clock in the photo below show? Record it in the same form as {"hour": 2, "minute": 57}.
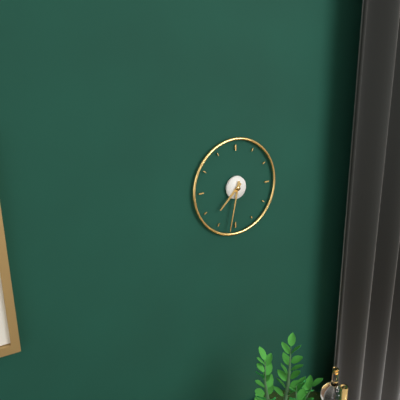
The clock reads {"hour": 7, "minute": 32}
